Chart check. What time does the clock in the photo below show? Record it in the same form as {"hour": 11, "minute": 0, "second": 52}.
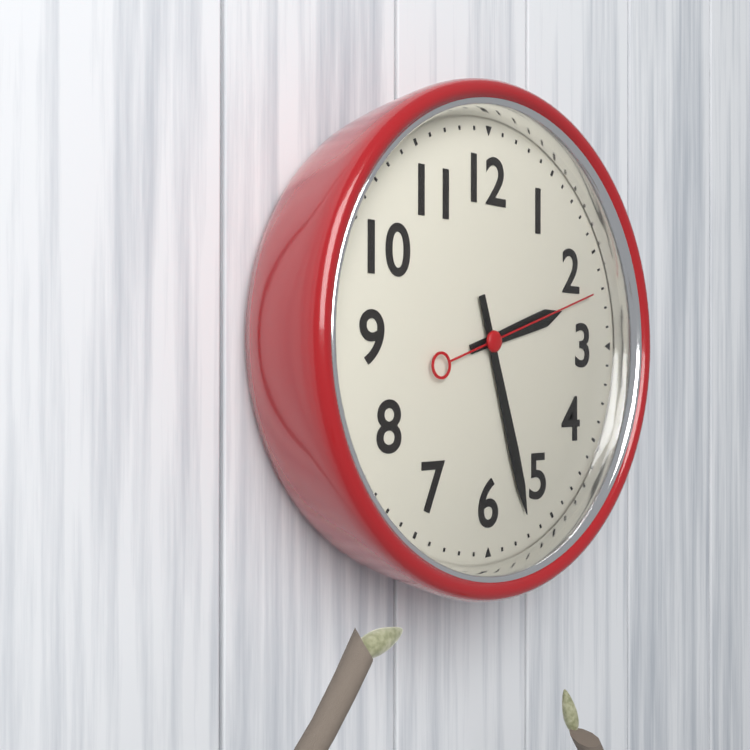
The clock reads {"hour": 2, "minute": 27, "second": 12}
